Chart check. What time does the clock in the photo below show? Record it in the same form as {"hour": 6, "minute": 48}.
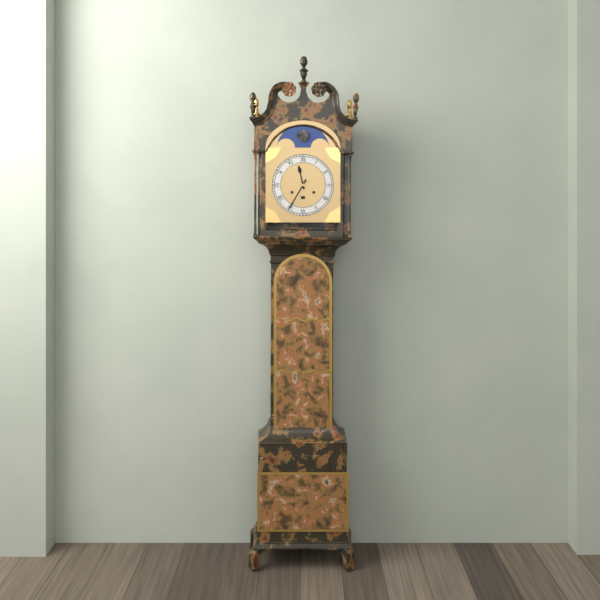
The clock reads {"hour": 11, "minute": 35}
